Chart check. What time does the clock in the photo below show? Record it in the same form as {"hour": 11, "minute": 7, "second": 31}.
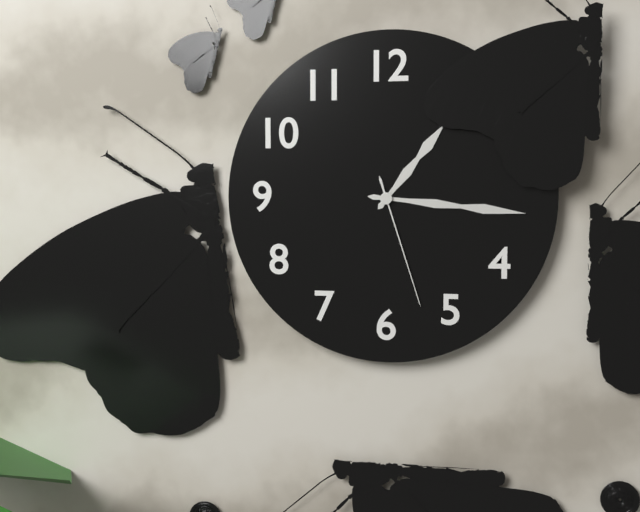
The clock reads {"hour": 1, "minute": 16, "second": 27}
